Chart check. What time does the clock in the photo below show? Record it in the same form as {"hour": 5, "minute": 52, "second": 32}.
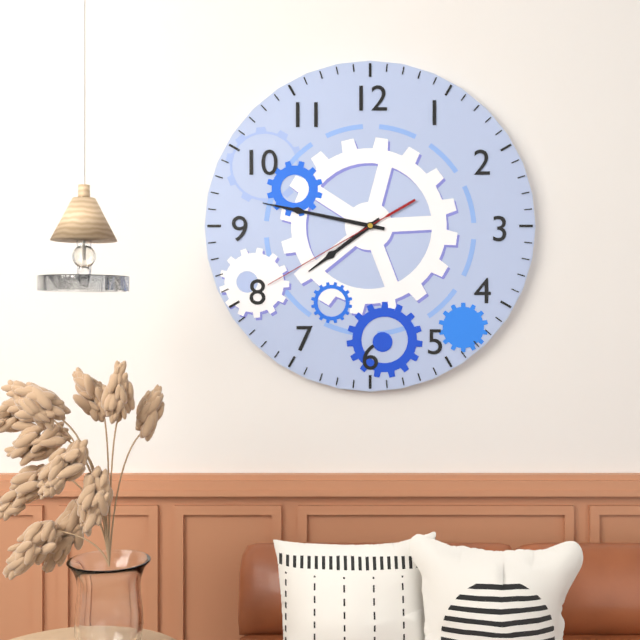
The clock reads {"hour": 7, "minute": 47, "second": 40}
